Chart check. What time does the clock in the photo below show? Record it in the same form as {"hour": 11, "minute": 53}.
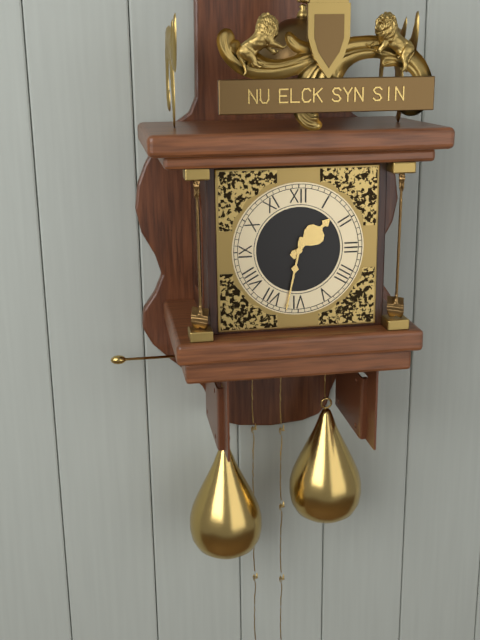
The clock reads {"hour": 1, "minute": 32}
